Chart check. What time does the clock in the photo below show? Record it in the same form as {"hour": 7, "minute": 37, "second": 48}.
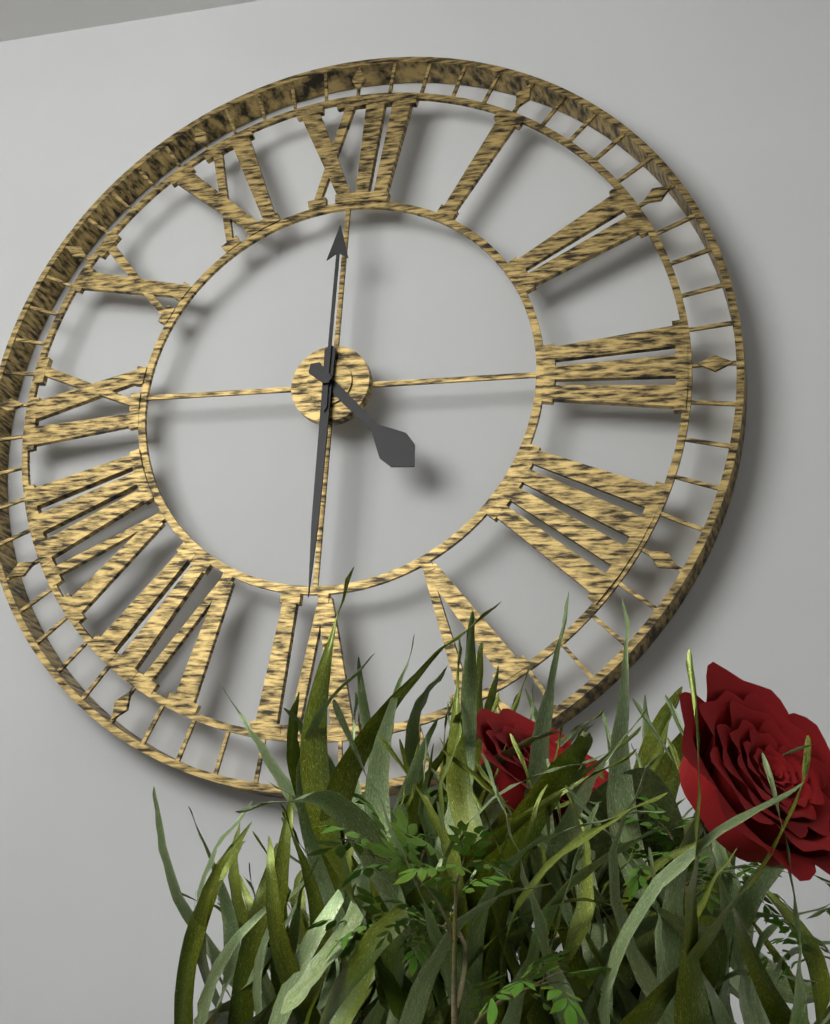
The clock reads {"hour": 4, "minute": 30, "second": 0}
